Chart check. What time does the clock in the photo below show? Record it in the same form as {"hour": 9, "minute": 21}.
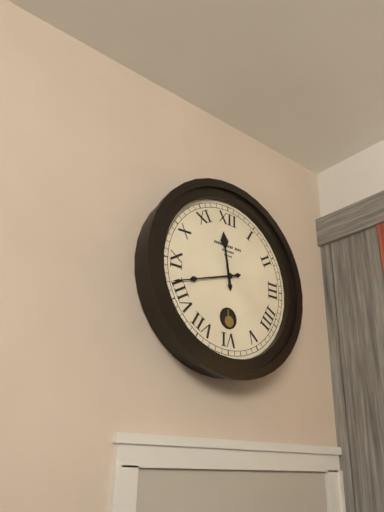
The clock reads {"hour": 11, "minute": 42}
